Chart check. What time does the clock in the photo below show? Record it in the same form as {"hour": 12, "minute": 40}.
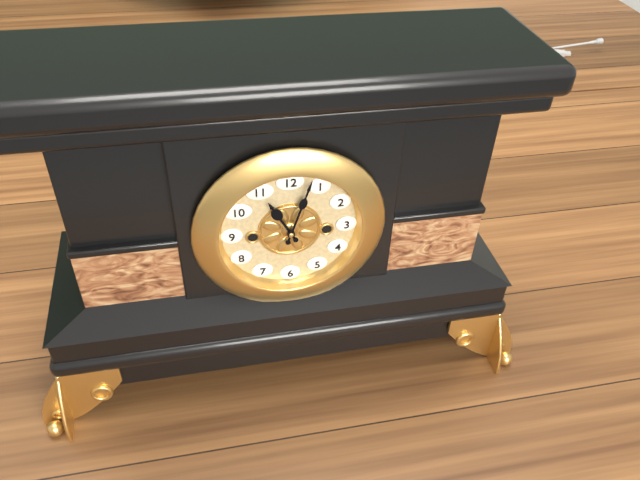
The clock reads {"hour": 11, "minute": 3}
